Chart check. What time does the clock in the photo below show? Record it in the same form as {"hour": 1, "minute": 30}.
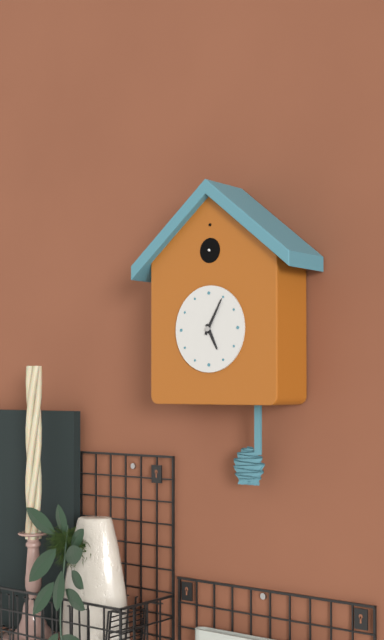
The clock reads {"hour": 5, "minute": 5}
